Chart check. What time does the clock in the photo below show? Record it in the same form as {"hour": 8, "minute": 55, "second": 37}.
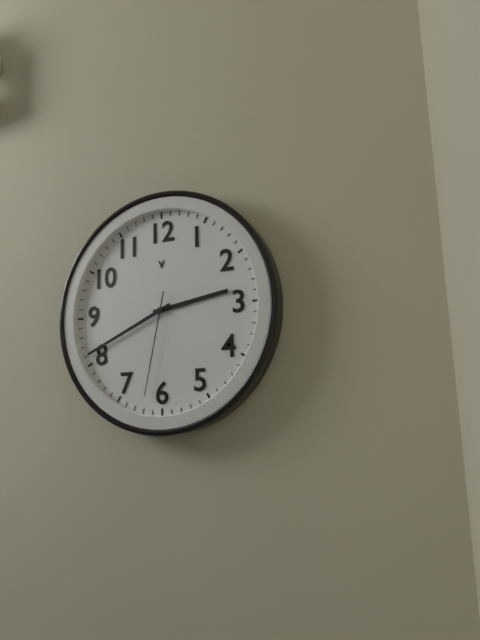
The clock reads {"hour": 2, "minute": 41, "second": 32}
